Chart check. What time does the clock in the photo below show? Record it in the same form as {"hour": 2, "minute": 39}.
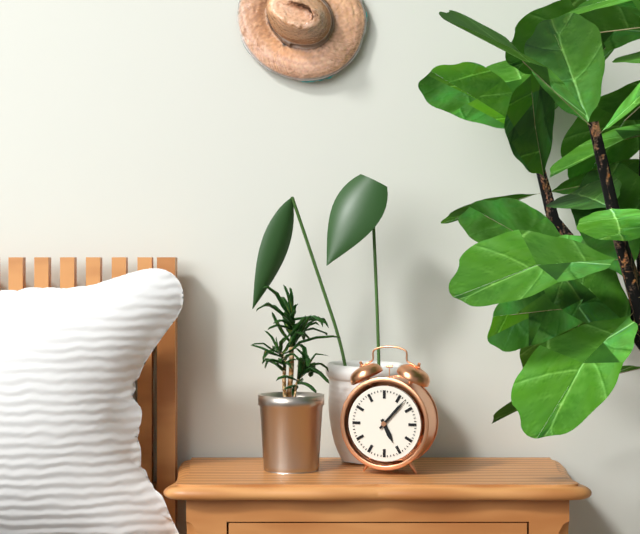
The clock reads {"hour": 5, "minute": 7}
